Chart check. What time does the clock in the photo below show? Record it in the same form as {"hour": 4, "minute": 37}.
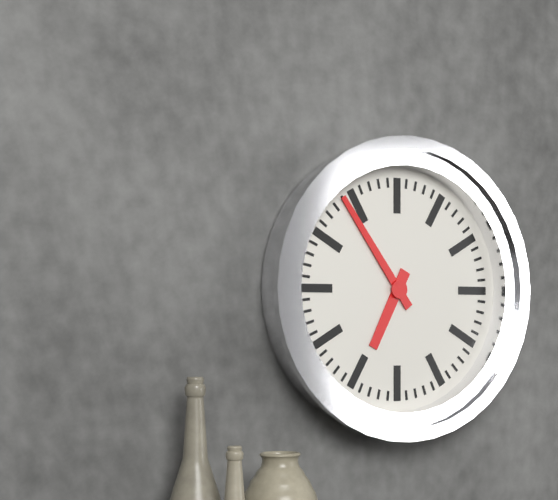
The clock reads {"hour": 6, "minute": 54}
